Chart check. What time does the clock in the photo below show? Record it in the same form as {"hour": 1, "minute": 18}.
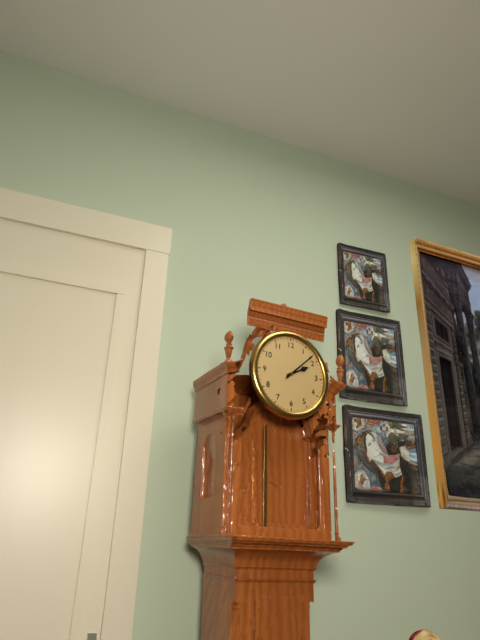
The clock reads {"hour": 2, "minute": 8}
